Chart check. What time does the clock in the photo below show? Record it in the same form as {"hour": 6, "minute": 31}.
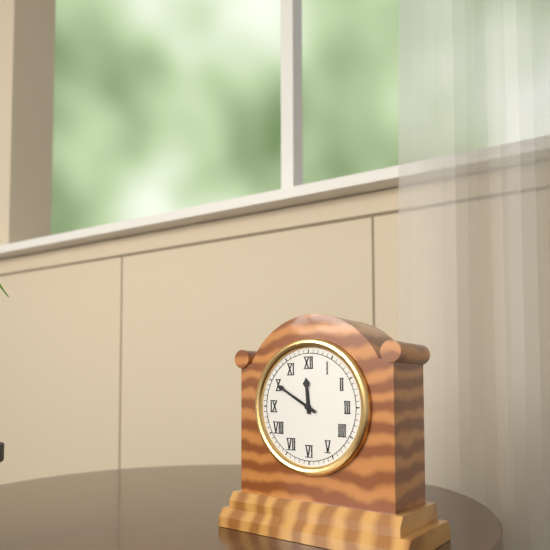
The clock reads {"hour": 11, "minute": 50}
